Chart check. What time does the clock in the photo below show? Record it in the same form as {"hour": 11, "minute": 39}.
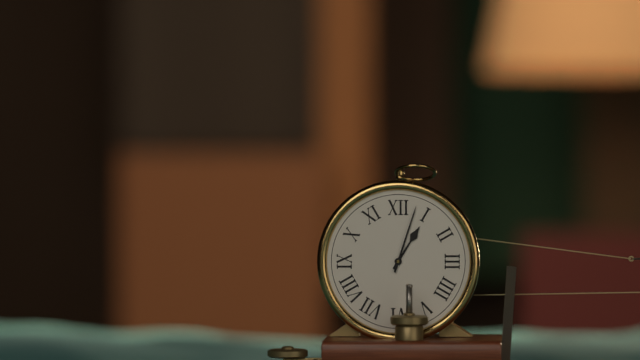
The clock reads {"hour": 1, "minute": 3}
